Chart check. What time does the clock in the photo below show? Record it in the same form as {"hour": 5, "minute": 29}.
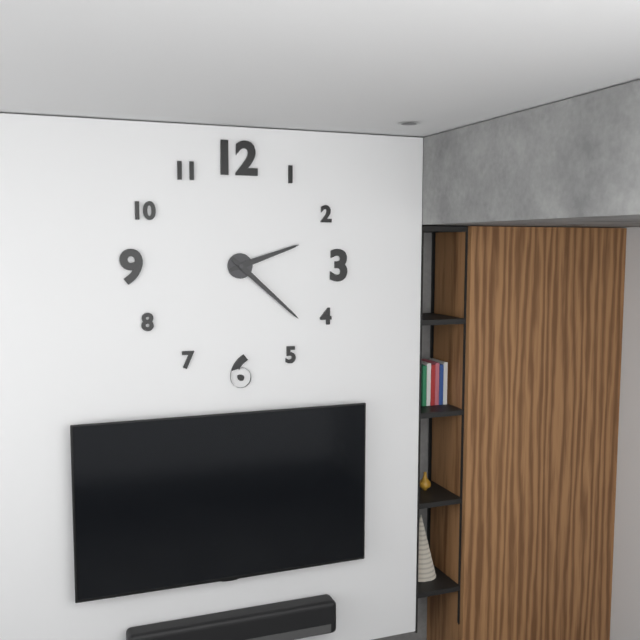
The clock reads {"hour": 2, "minute": 22}
